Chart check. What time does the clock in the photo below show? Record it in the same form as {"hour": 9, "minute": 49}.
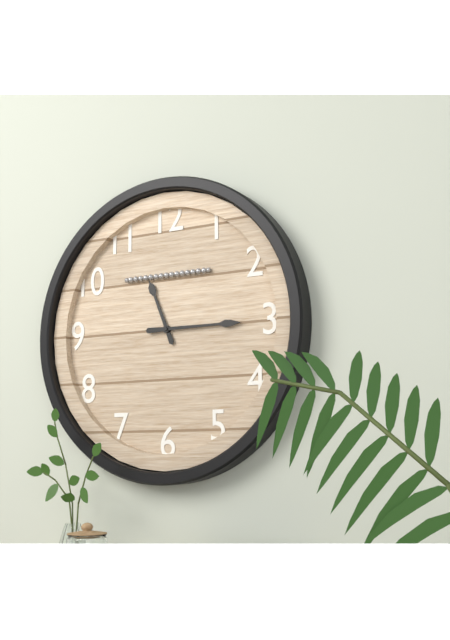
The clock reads {"hour": 11, "minute": 15}
